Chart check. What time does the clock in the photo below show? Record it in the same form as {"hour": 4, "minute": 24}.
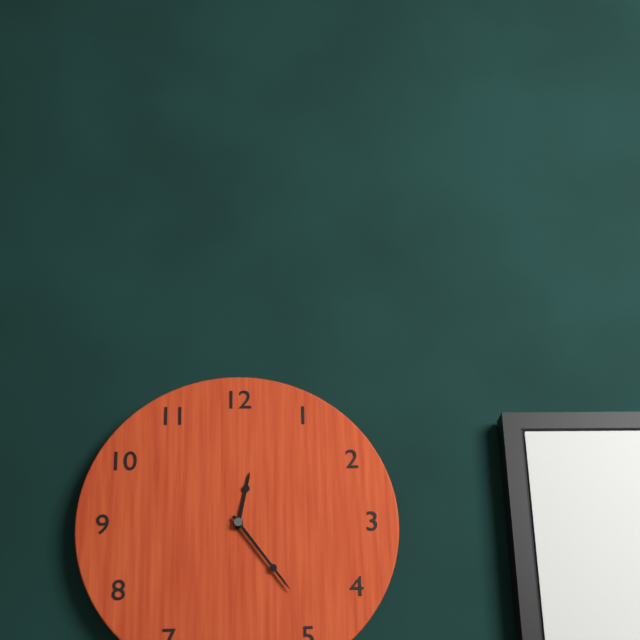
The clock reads {"hour": 12, "minute": 24}
